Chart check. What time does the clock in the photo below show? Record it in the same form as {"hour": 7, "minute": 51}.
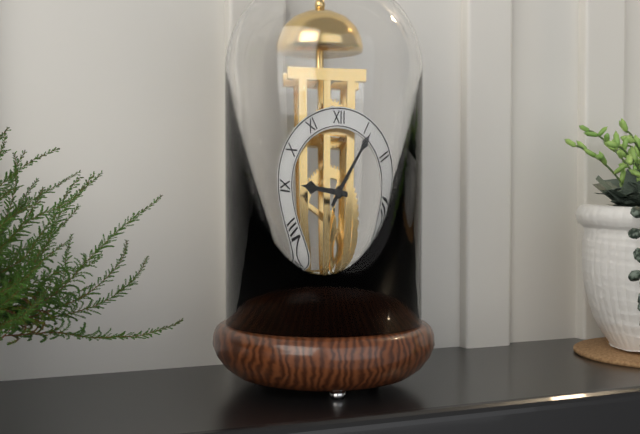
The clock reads {"hour": 9, "minute": 6}
